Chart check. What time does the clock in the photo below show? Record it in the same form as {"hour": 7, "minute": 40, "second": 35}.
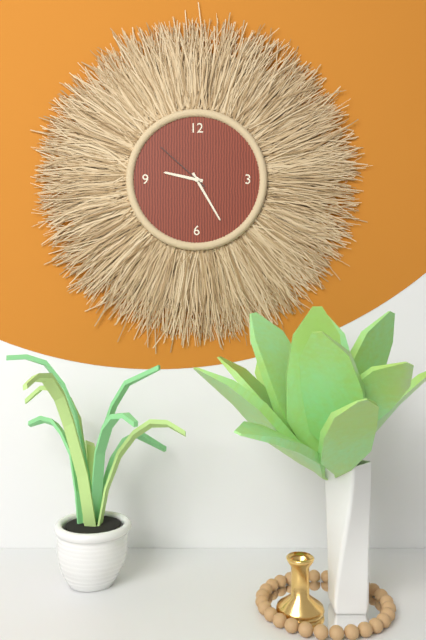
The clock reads {"hour": 9, "minute": 25, "second": 52}
